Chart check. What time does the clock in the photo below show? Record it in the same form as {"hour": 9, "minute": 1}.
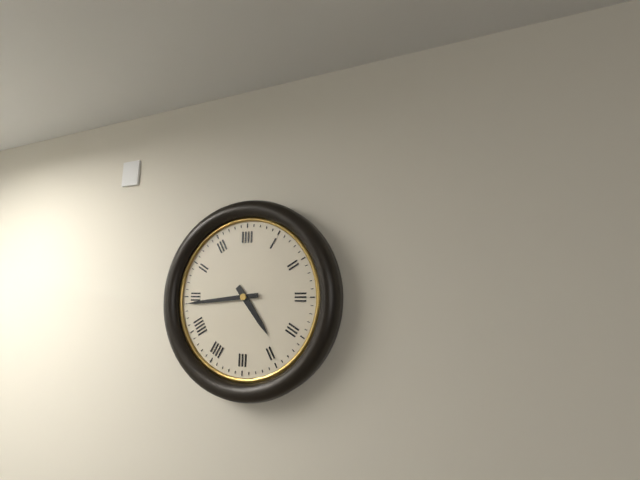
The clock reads {"hour": 4, "minute": 44}
